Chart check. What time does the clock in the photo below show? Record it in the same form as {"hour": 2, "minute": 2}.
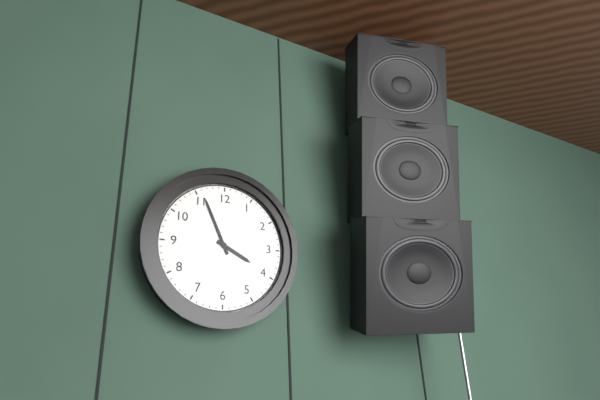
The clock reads {"hour": 3, "minute": 56}
